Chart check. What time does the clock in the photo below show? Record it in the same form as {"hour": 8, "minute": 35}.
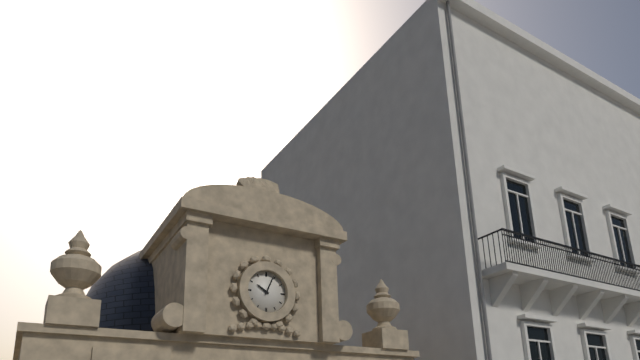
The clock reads {"hour": 10, "minute": 4}
